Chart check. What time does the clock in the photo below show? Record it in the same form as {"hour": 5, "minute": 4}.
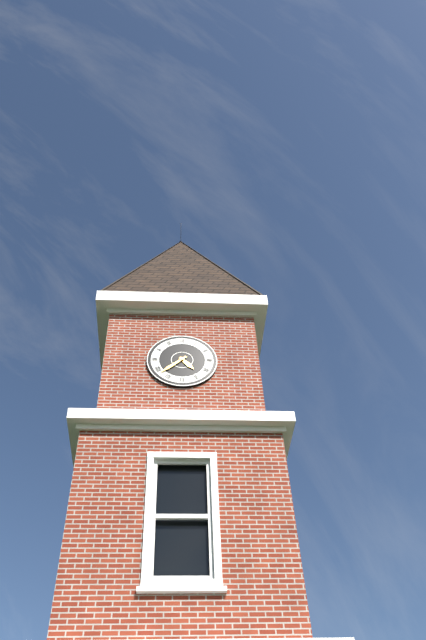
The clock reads {"hour": 4, "minute": 38}
